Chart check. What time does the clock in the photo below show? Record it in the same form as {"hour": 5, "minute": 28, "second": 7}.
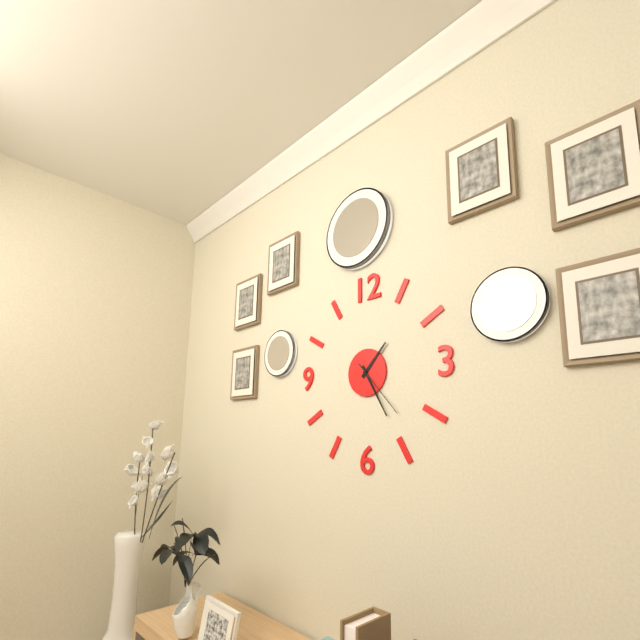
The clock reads {"hour": 1, "minute": 25, "second": 23}
